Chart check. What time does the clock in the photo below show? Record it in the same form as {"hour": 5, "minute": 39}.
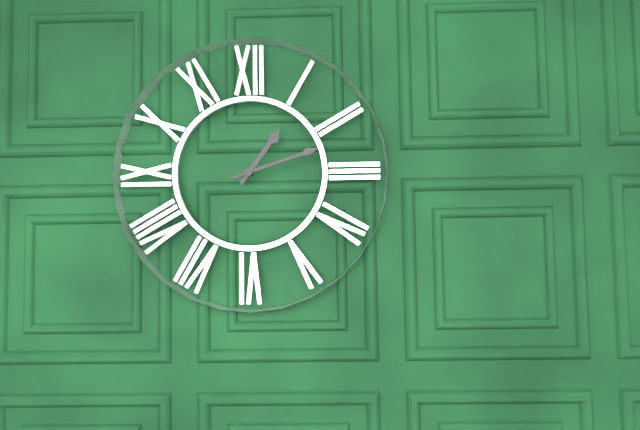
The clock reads {"hour": 1, "minute": 12}
